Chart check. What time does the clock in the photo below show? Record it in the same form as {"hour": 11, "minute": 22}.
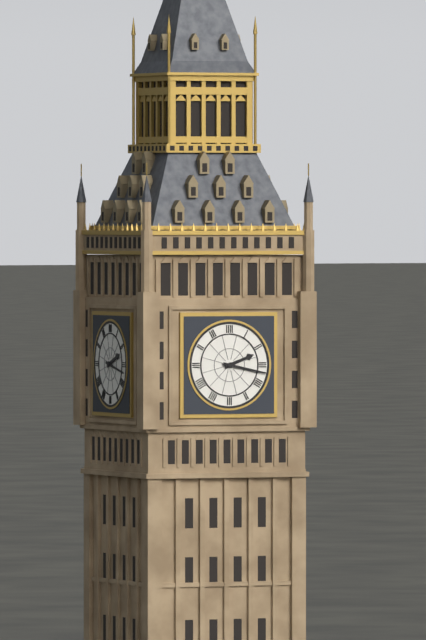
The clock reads {"hour": 2, "minute": 17}
